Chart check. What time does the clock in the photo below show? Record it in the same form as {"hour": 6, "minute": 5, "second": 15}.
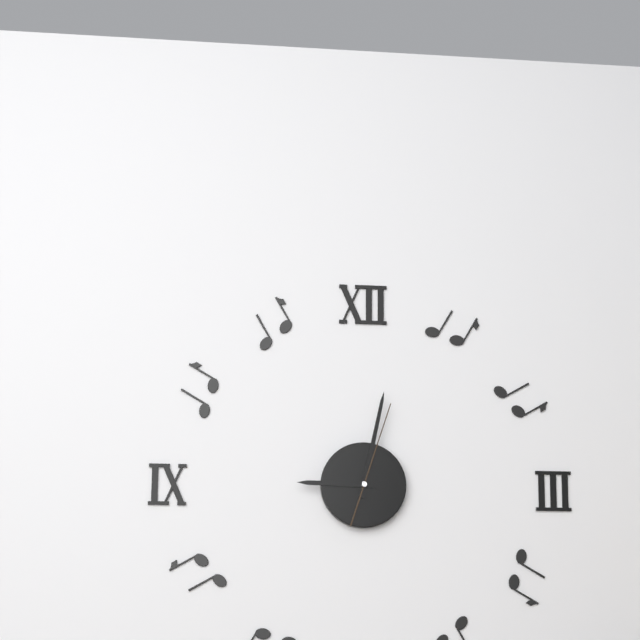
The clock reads {"hour": 9, "minute": 2, "second": 3}
